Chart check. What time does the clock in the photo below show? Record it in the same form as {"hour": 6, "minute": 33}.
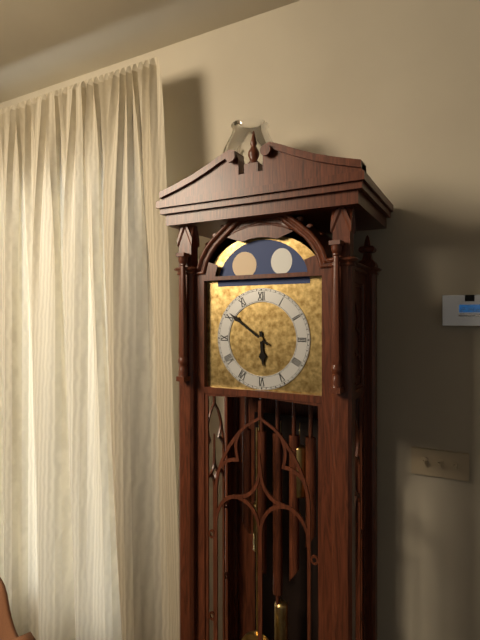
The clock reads {"hour": 5, "minute": 51}
